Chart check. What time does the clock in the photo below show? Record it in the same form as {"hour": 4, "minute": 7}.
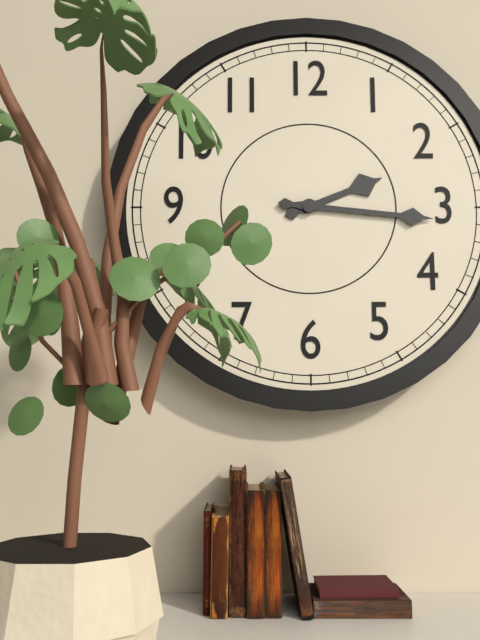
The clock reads {"hour": 2, "minute": 16}
